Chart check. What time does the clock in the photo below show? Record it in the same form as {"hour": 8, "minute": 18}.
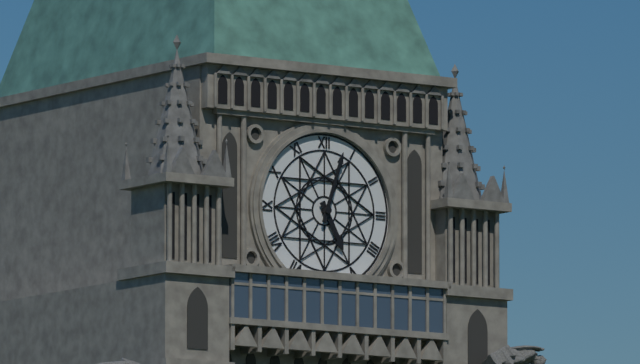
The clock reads {"hour": 5, "minute": 3}
